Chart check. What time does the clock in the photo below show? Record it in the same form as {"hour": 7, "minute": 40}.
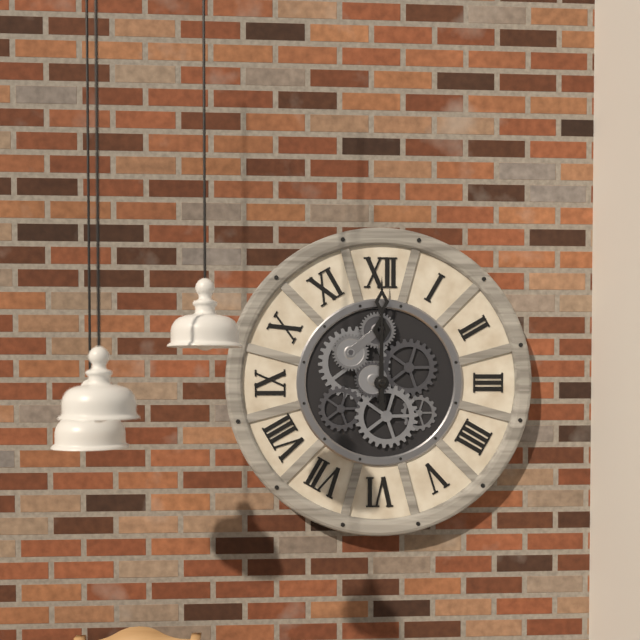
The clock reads {"hour": 12, "minute": 0}
